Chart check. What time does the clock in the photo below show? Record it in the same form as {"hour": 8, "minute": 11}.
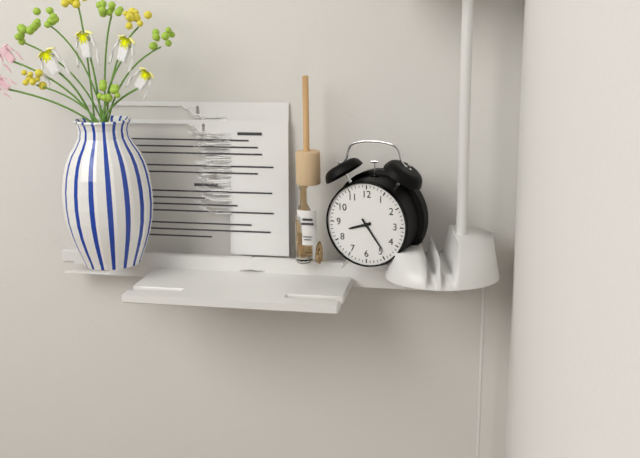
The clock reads {"hour": 8, "minute": 24}
